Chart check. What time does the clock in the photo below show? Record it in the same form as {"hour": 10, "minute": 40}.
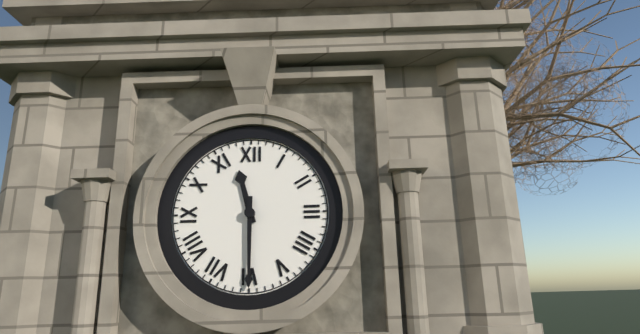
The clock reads {"hour": 11, "minute": 30}
